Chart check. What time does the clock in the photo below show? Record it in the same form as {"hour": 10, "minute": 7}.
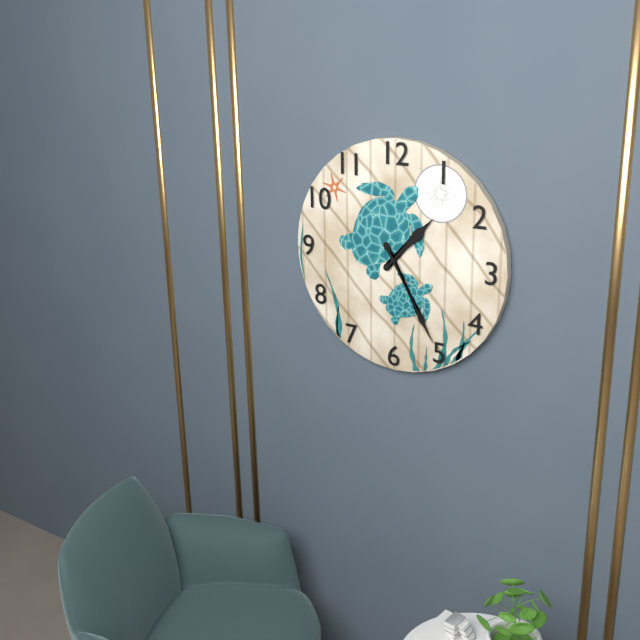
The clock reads {"hour": 1, "minute": 25}
